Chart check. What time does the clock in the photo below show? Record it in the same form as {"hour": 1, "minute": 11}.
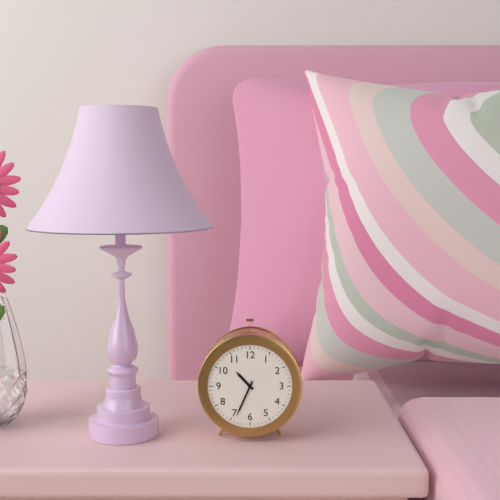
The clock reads {"hour": 10, "minute": 34}
